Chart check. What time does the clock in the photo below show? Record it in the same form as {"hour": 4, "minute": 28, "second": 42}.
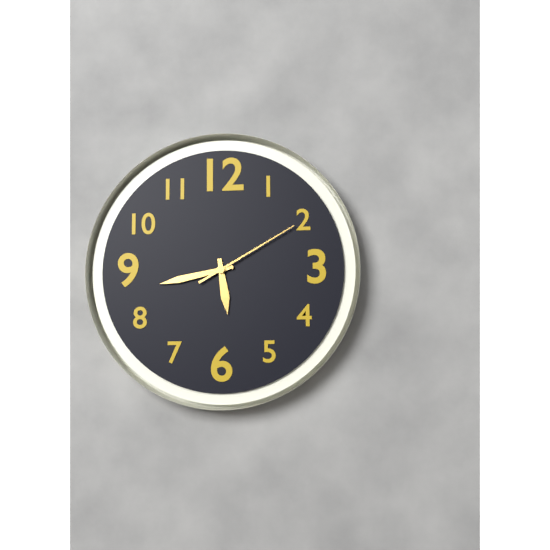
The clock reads {"hour": 5, "minute": 43, "second": 10}
